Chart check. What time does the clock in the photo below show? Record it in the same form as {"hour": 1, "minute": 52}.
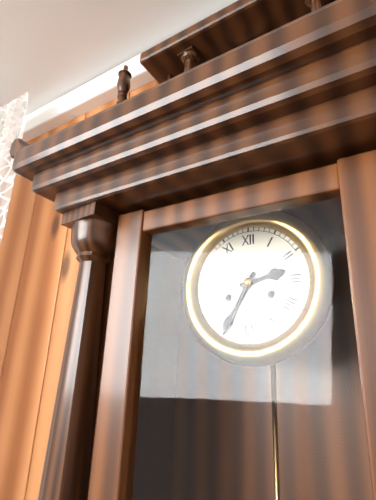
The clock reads {"hour": 2, "minute": 35}
